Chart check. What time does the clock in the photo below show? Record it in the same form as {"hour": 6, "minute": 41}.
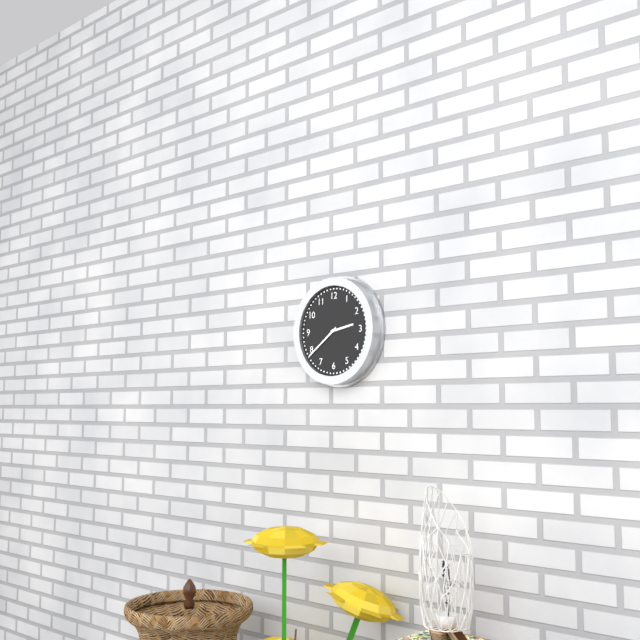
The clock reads {"hour": 2, "minute": 39}
